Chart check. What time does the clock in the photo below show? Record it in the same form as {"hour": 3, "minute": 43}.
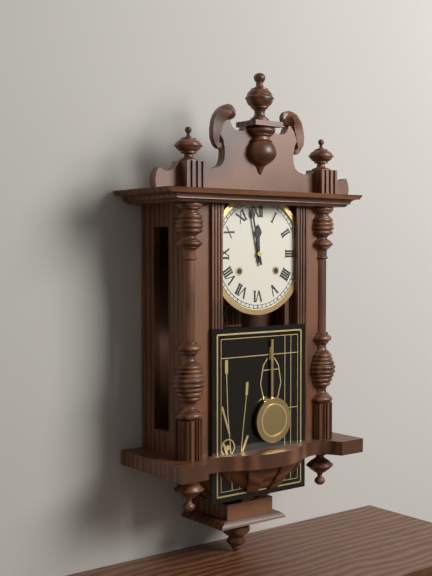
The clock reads {"hour": 11, "minute": 58}
